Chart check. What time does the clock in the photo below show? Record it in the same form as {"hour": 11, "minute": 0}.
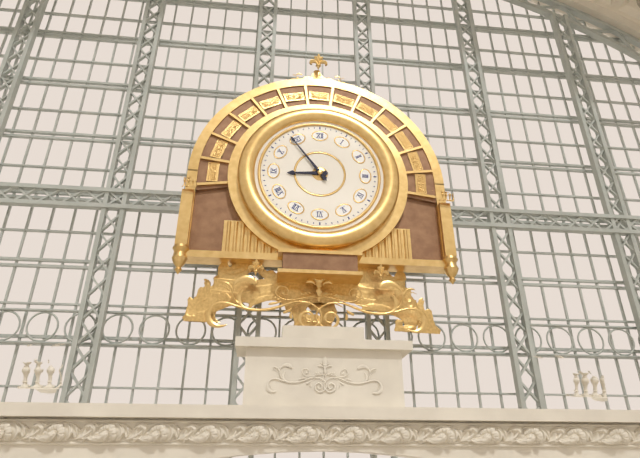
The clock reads {"hour": 8, "minute": 54}
